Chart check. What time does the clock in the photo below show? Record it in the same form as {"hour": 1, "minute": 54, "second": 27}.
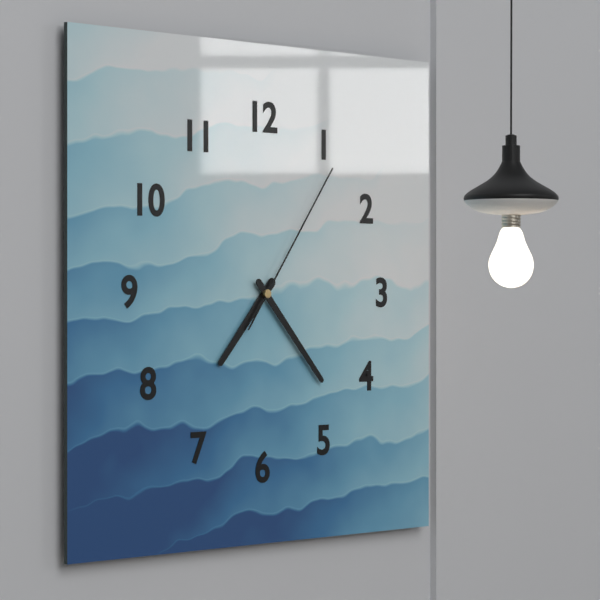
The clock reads {"hour": 7, "minute": 23, "second": 6}
